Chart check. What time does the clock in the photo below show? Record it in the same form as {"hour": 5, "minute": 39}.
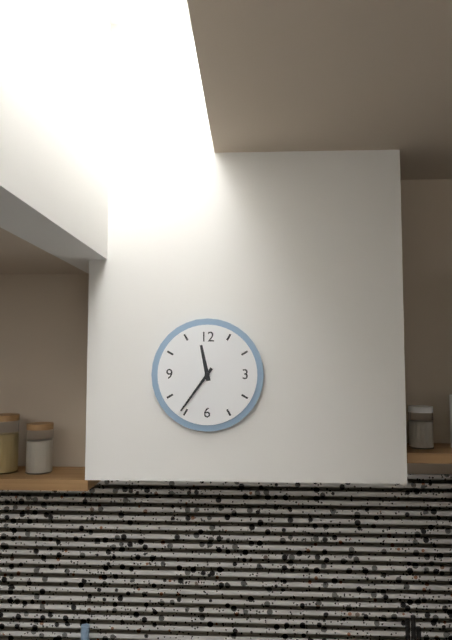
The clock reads {"hour": 11, "minute": 36}
